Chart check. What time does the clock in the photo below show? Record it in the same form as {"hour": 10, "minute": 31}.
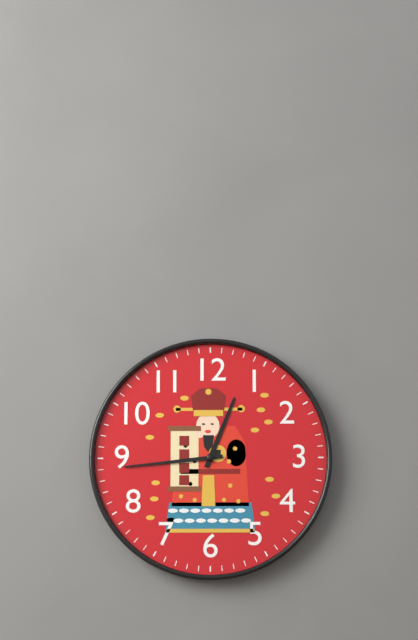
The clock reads {"hour": 12, "minute": 44}
